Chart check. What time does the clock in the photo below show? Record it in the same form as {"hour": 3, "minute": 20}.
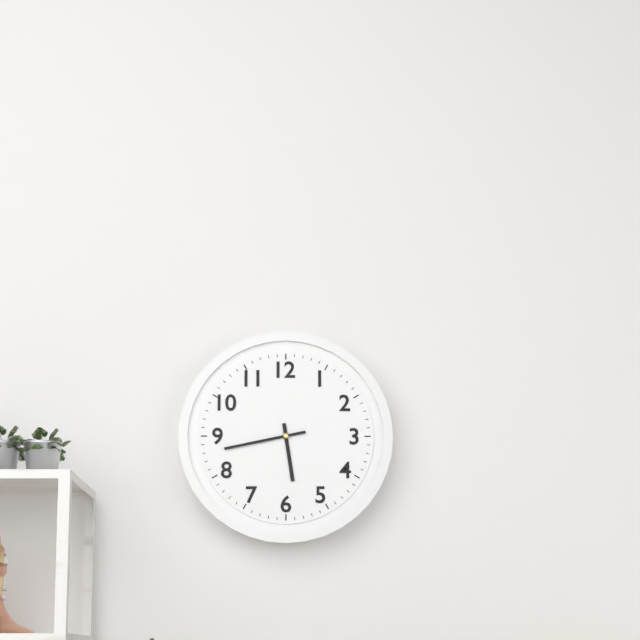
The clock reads {"hour": 5, "minute": 43}
